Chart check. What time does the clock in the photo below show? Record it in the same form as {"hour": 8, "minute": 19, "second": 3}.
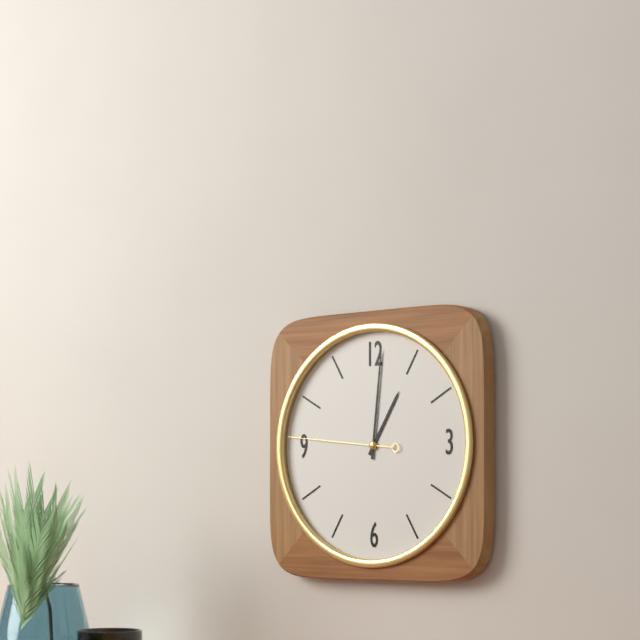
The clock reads {"hour": 1, "minute": 1, "second": 46}
